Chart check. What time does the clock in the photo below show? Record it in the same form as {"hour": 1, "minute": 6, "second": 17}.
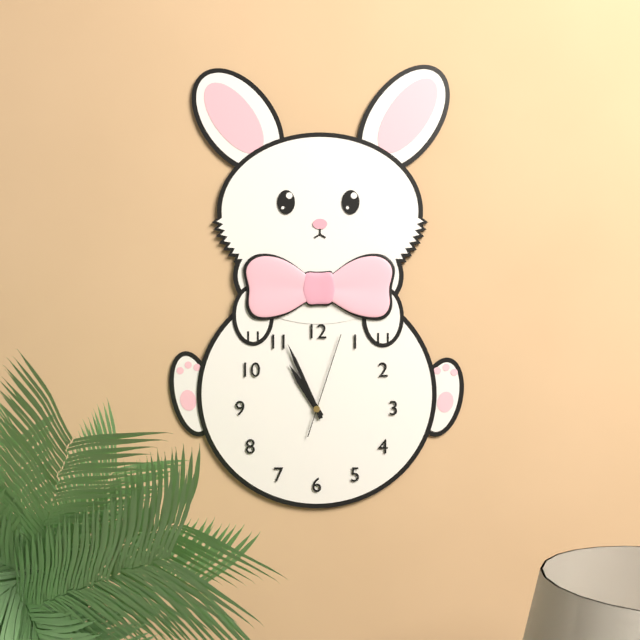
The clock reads {"hour": 10, "minute": 56, "second": 3}
